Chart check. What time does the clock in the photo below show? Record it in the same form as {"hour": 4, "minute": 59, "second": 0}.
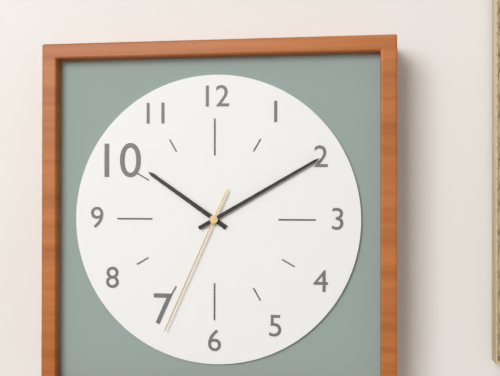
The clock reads {"hour": 10, "minute": 10, "second": 34}
